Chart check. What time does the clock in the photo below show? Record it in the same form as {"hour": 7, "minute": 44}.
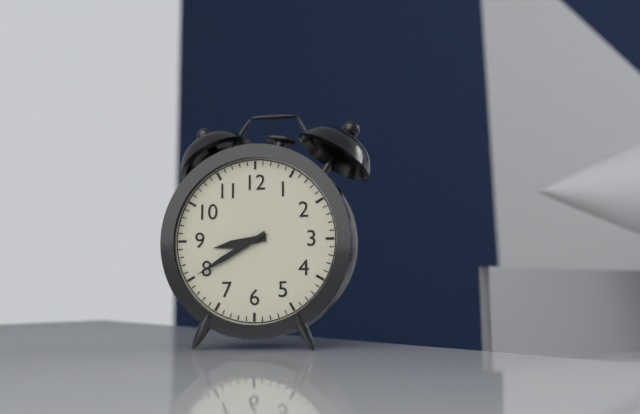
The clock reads {"hour": 8, "minute": 40}
